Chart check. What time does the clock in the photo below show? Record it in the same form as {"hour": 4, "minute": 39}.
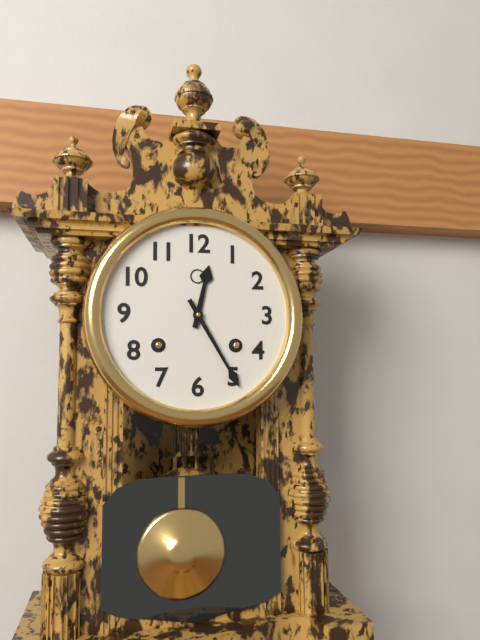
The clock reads {"hour": 12, "minute": 25}
